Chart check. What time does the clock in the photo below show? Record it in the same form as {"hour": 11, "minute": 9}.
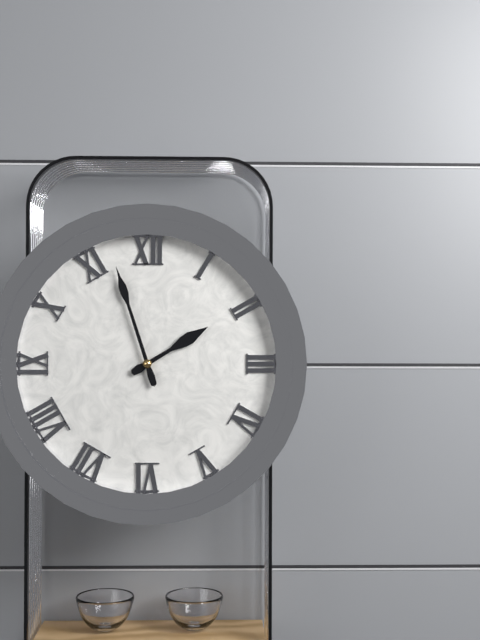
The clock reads {"hour": 1, "minute": 57}
